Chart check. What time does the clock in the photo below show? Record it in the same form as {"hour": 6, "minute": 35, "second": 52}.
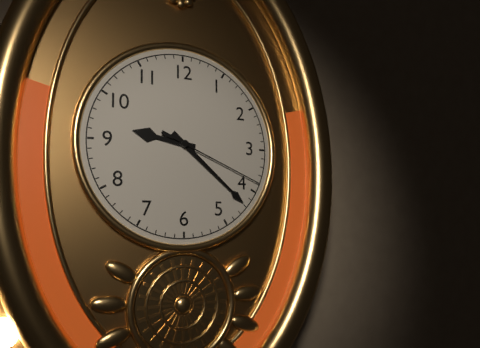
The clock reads {"hour": 9, "minute": 22, "second": 19}
